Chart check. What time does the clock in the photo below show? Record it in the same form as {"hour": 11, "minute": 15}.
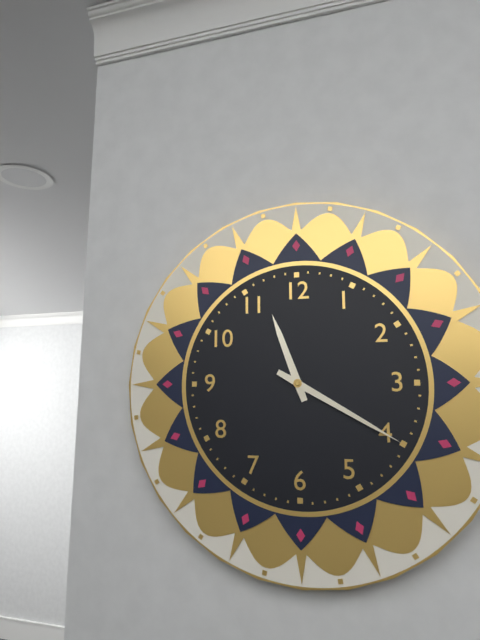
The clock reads {"hour": 11, "minute": 20}
